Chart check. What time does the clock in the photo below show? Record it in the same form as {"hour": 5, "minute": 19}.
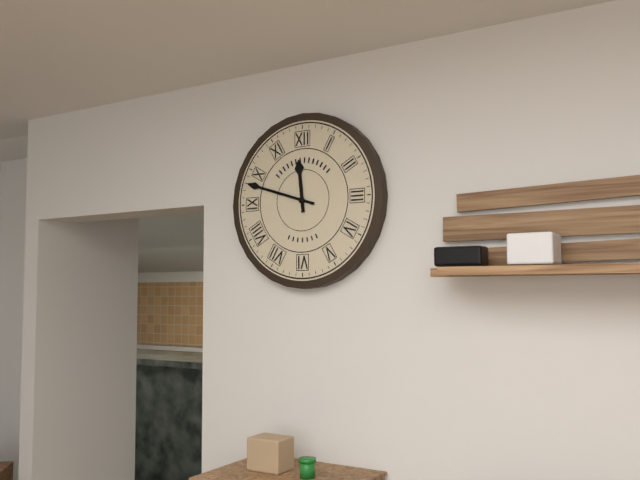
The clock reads {"hour": 11, "minute": 48}
